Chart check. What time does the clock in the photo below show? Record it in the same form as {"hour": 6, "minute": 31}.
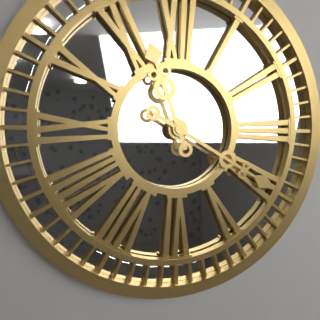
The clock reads {"hour": 11, "minute": 20}
